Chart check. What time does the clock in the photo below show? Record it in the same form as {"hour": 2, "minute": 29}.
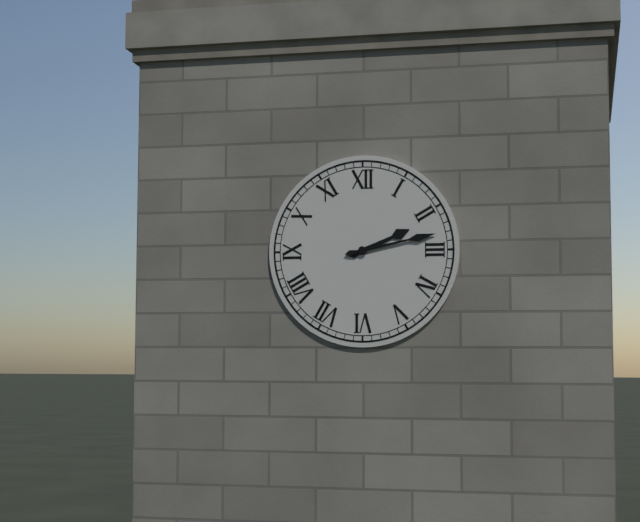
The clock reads {"hour": 2, "minute": 13}
